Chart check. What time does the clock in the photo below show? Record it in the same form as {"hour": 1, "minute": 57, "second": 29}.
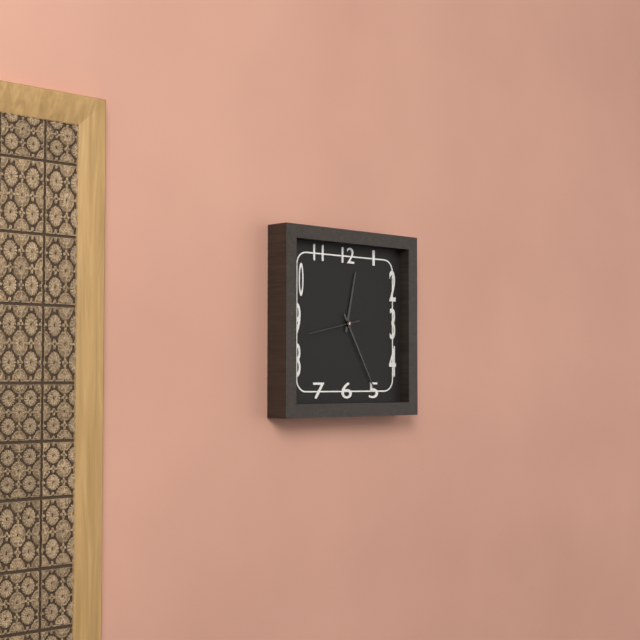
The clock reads {"hour": 12, "minute": 25, "second": 43}
